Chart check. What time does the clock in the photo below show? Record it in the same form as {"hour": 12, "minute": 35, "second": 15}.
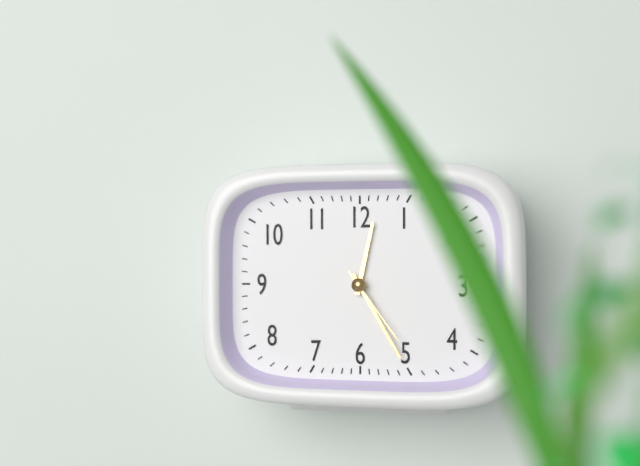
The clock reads {"hour": 12, "minute": 25, "second": 24}
